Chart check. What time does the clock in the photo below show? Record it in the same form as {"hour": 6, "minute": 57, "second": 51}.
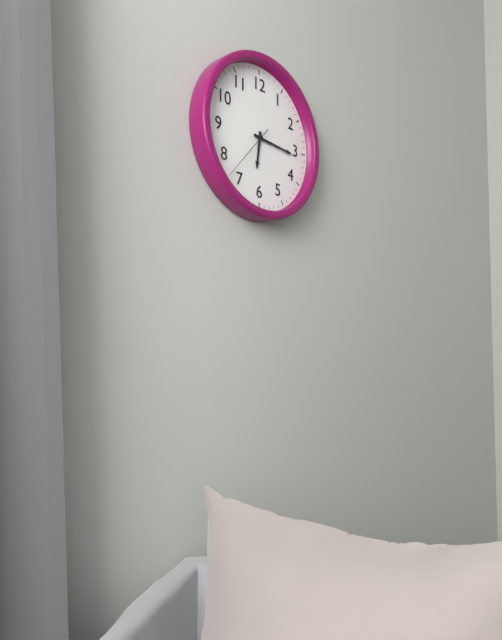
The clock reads {"hour": 6, "minute": 16, "second": 37}
